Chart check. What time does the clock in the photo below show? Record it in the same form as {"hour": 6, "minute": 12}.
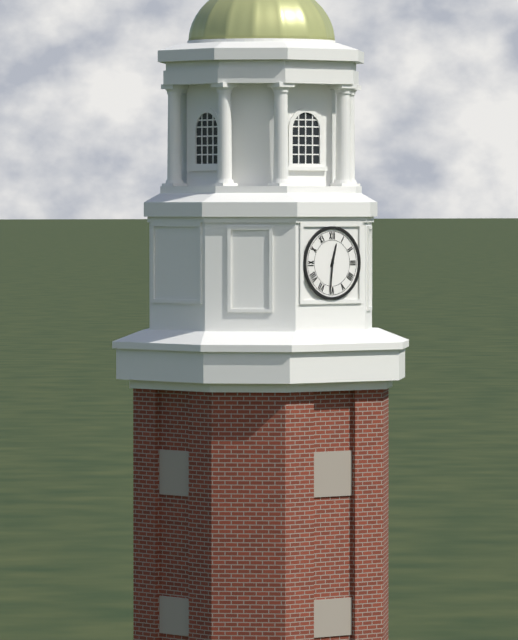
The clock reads {"hour": 12, "minute": 31}
